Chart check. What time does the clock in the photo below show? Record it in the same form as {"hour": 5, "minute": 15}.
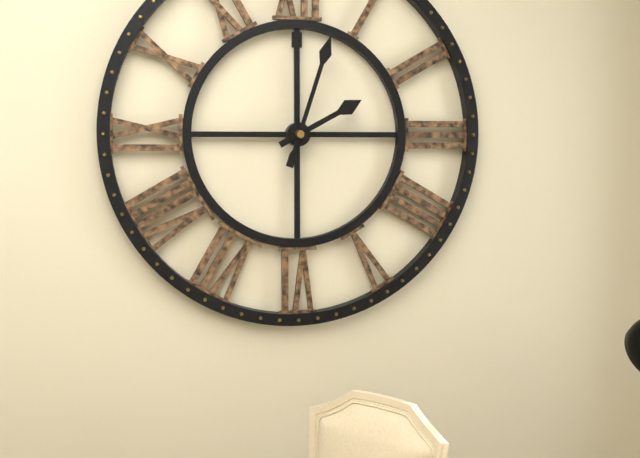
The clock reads {"hour": 2, "minute": 3}
